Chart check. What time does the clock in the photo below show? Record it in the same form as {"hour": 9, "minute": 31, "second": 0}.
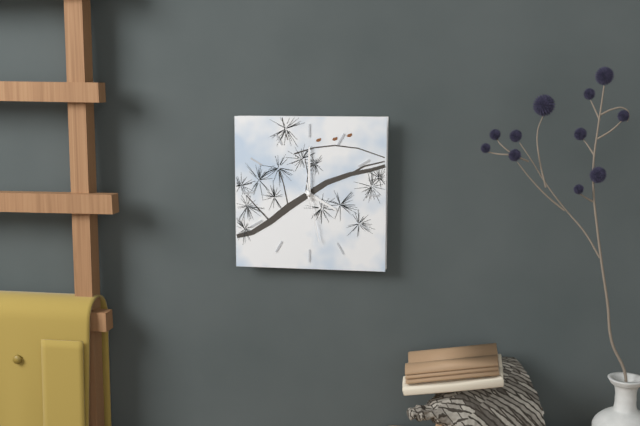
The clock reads {"hour": 4, "minute": 0, "second": 28}
